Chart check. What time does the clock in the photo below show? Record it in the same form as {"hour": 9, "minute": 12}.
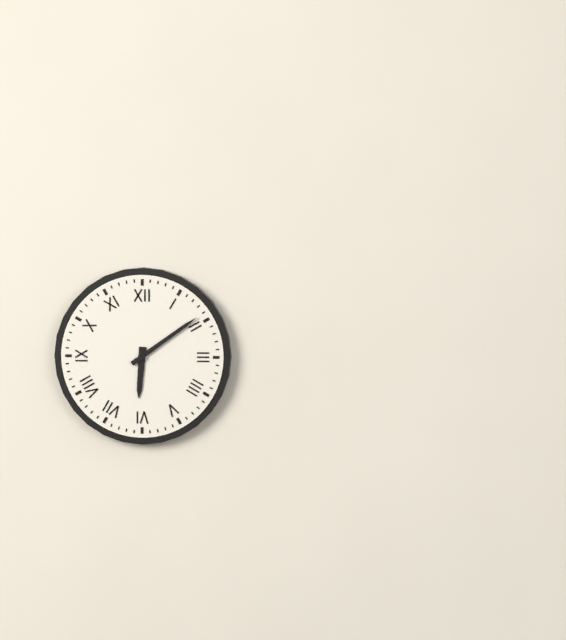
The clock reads {"hour": 6, "minute": 9}
